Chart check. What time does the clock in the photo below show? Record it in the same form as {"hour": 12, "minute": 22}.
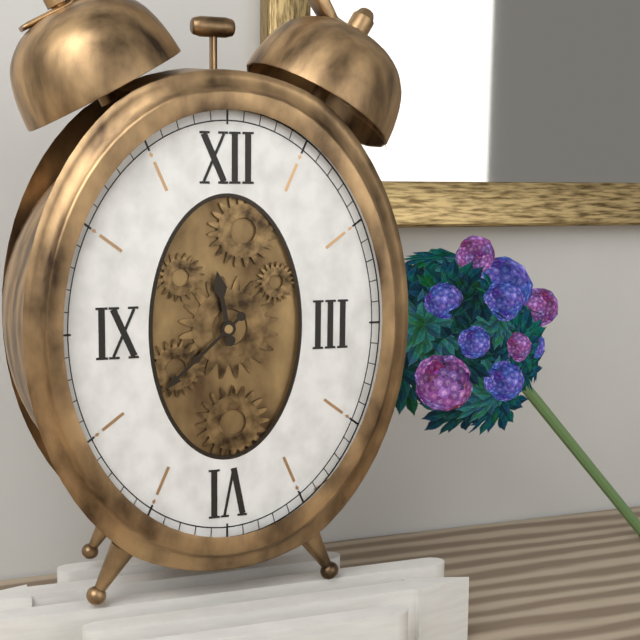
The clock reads {"hour": 11, "minute": 38}
